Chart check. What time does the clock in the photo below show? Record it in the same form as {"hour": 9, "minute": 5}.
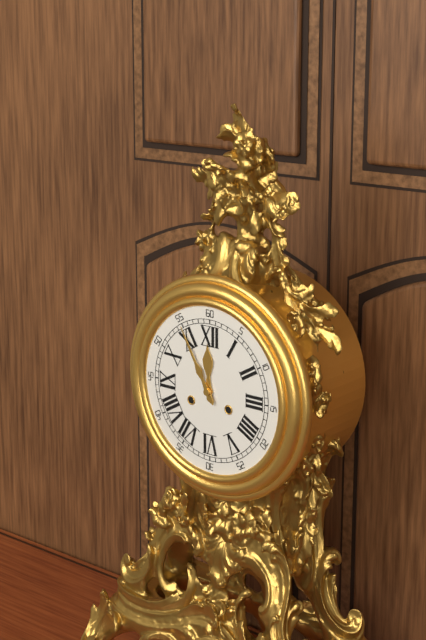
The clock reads {"hour": 11, "minute": 55}
